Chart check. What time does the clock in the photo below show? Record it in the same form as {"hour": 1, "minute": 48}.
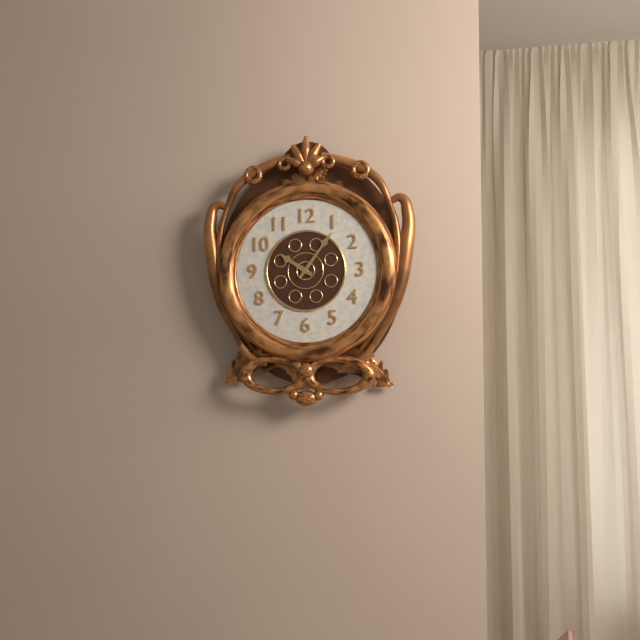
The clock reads {"hour": 10, "minute": 6}
